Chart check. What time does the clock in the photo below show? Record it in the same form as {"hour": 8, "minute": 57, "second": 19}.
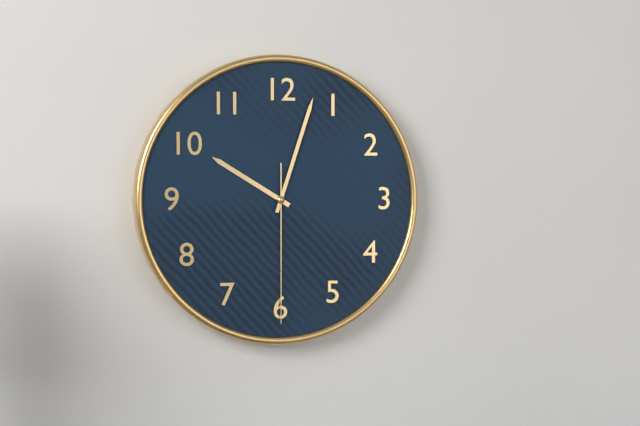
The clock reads {"hour": 10, "minute": 3, "second": 30}
